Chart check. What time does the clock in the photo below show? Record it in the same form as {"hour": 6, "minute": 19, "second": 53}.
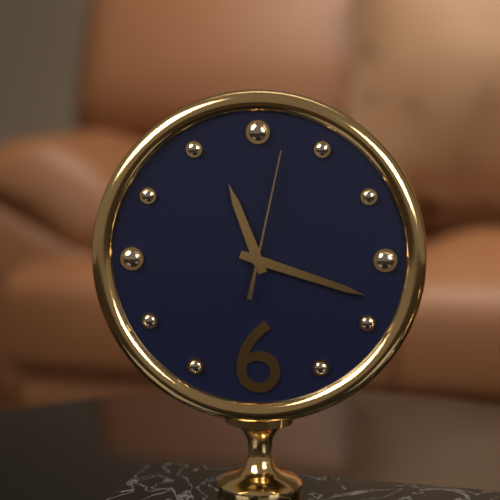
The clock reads {"hour": 11, "minute": 18, "second": 2}
